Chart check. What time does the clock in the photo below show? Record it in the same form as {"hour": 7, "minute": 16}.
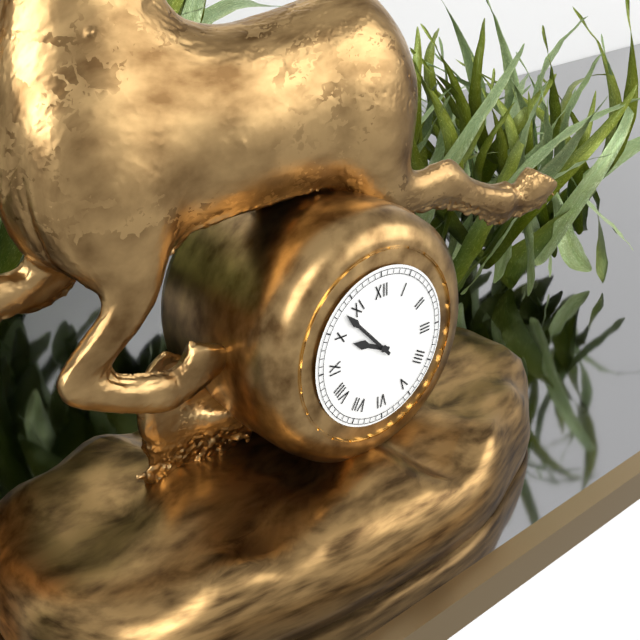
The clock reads {"hour": 9, "minute": 53}
